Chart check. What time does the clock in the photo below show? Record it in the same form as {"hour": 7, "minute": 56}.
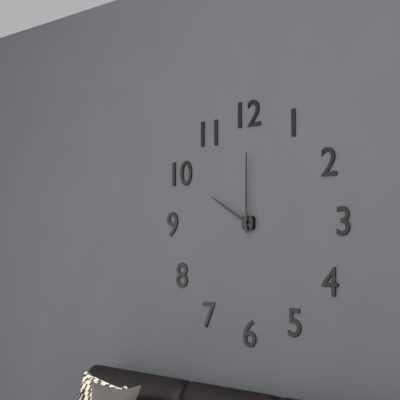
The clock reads {"hour": 10, "minute": 0}
